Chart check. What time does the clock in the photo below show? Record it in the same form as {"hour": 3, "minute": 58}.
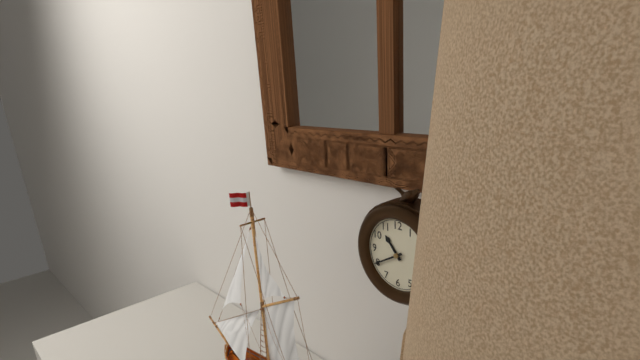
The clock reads {"hour": 10, "minute": 40}
